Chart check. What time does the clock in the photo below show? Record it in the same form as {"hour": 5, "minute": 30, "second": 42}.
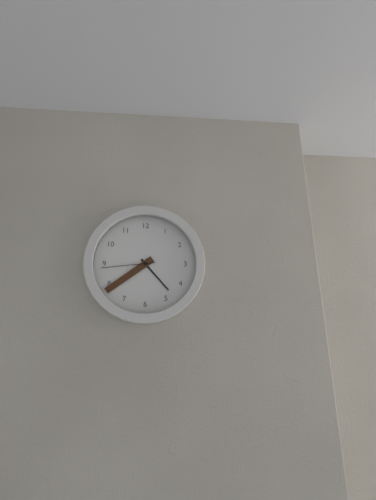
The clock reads {"hour": 4, "minute": 39, "second": 44}
